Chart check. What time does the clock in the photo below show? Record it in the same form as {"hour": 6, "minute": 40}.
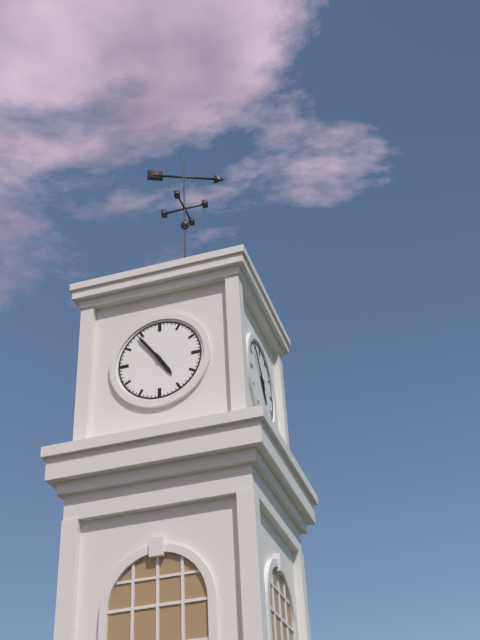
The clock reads {"hour": 4, "minute": 54}
